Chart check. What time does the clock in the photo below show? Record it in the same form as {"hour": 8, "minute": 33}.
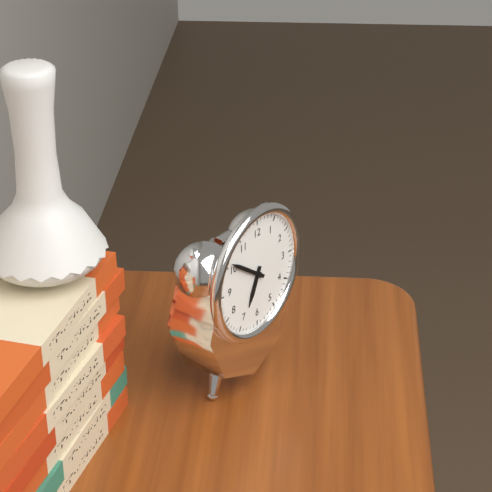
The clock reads {"hour": 6, "minute": 51}
